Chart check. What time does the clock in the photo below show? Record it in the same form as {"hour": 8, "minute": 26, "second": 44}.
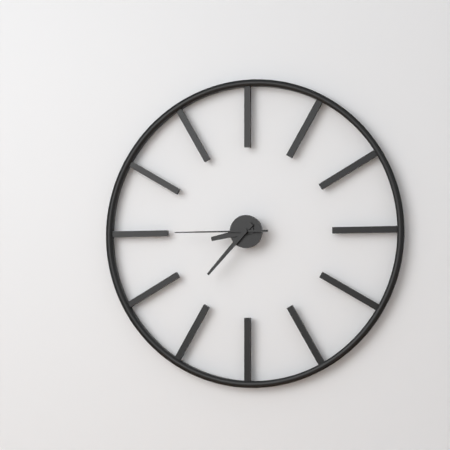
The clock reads {"hour": 8, "minute": 37, "second": 45}
